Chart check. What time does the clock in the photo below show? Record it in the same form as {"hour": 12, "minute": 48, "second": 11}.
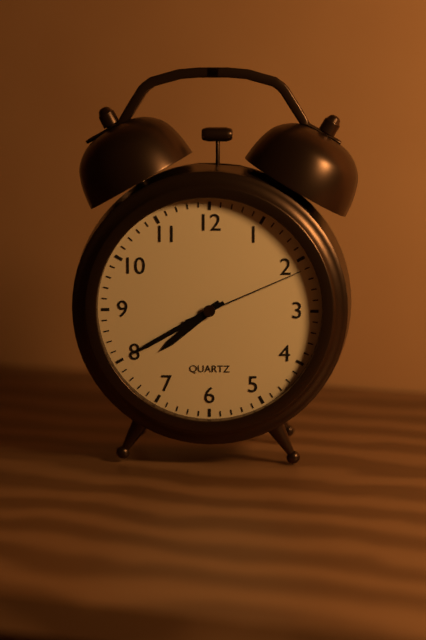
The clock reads {"hour": 7, "minute": 40, "second": 11}
